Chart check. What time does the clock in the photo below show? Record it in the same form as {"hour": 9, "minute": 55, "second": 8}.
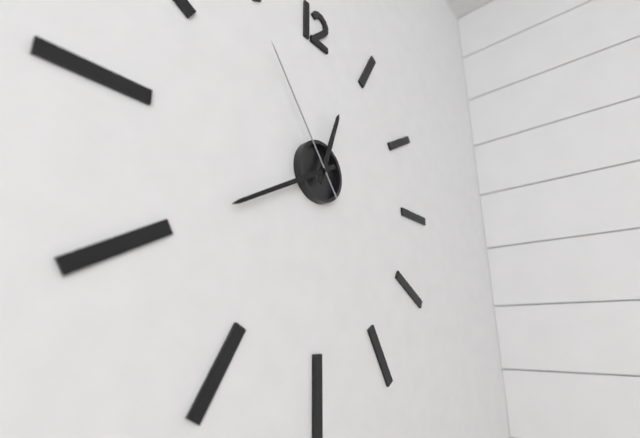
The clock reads {"hour": 12, "minute": 40, "second": 54}
